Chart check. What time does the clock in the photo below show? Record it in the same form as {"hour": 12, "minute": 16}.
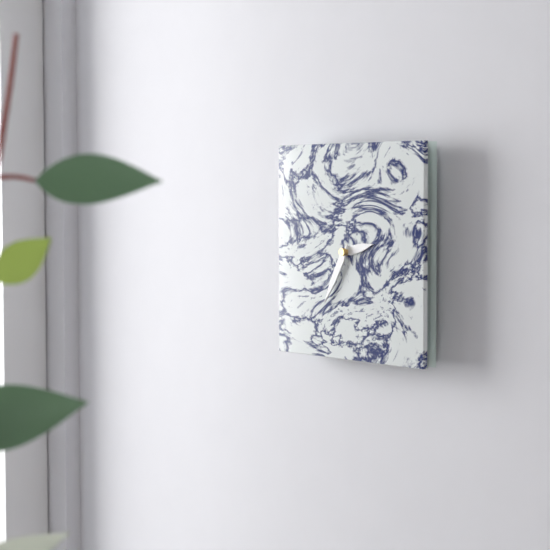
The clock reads {"hour": 2, "minute": 35}
